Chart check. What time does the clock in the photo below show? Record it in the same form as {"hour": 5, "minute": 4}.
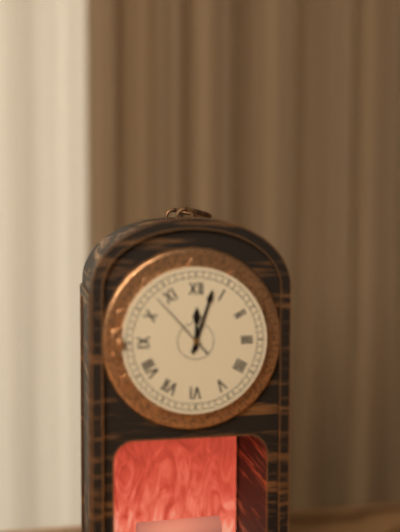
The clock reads {"hour": 12, "minute": 3}
